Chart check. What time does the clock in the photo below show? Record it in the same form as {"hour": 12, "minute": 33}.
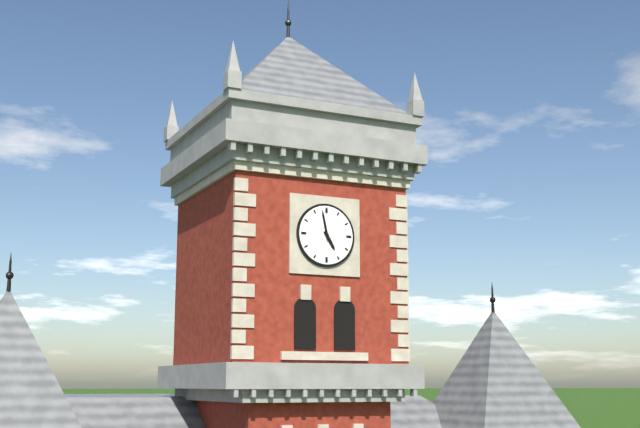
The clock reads {"hour": 4, "minute": 58}
